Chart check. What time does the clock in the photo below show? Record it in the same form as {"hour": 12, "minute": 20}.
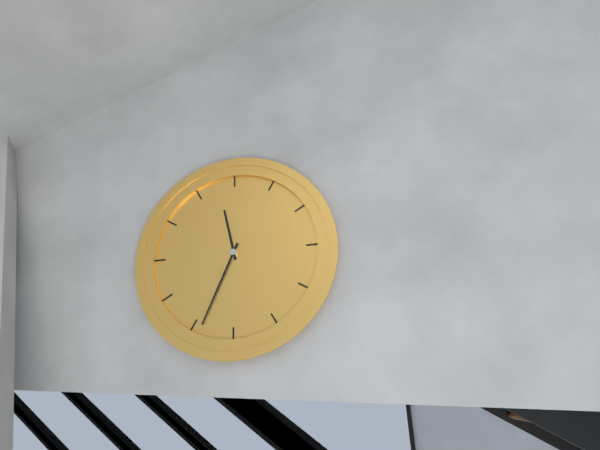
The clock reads {"hour": 11, "minute": 34}
